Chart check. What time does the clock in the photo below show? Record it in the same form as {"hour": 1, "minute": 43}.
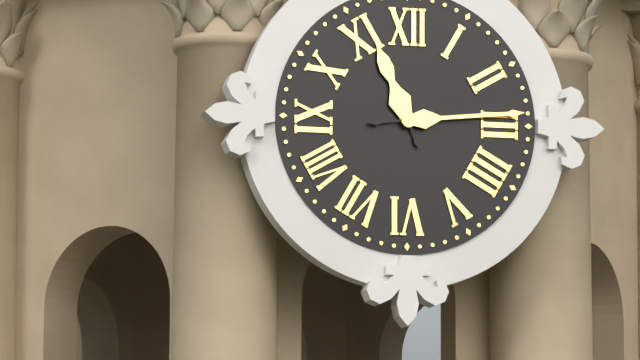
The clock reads {"hour": 11, "minute": 14}
